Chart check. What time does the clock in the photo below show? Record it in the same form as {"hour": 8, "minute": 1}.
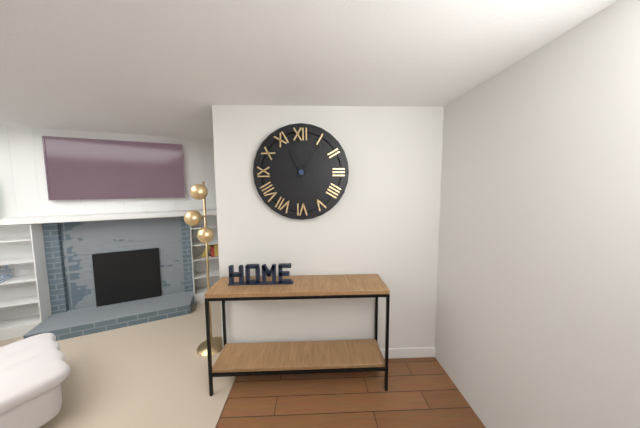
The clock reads {"hour": 11, "minute": 6}
